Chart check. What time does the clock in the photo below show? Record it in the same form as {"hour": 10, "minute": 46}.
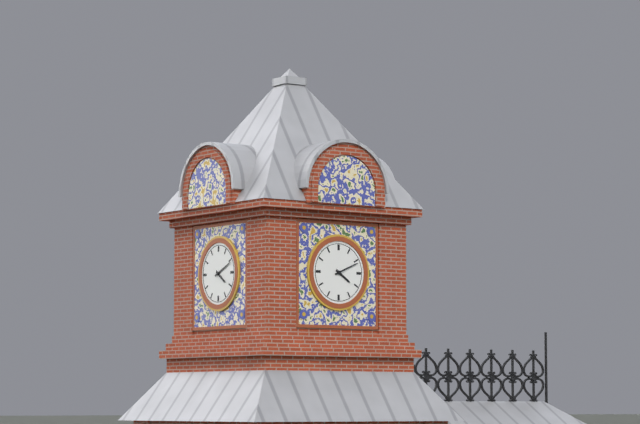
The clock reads {"hour": 4, "minute": 11}
